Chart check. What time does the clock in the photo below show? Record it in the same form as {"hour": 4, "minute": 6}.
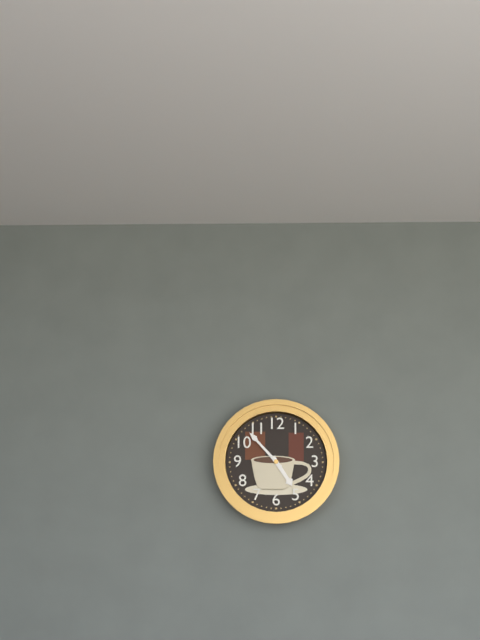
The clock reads {"hour": 4, "minute": 53}
